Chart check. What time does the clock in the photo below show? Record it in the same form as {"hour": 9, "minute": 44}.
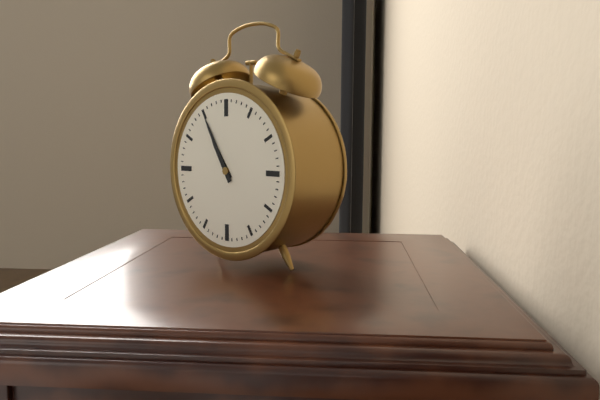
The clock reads {"hour": 10, "minute": 55}
